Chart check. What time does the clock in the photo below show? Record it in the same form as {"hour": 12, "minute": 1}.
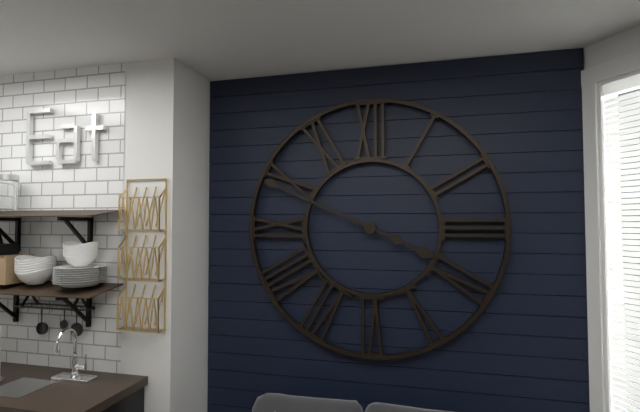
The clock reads {"hour": 3, "minute": 49}
